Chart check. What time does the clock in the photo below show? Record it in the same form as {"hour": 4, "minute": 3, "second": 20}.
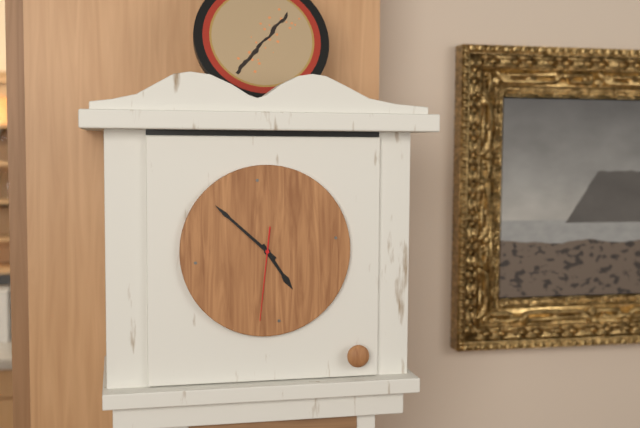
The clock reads {"hour": 4, "minute": 52, "second": 31}
